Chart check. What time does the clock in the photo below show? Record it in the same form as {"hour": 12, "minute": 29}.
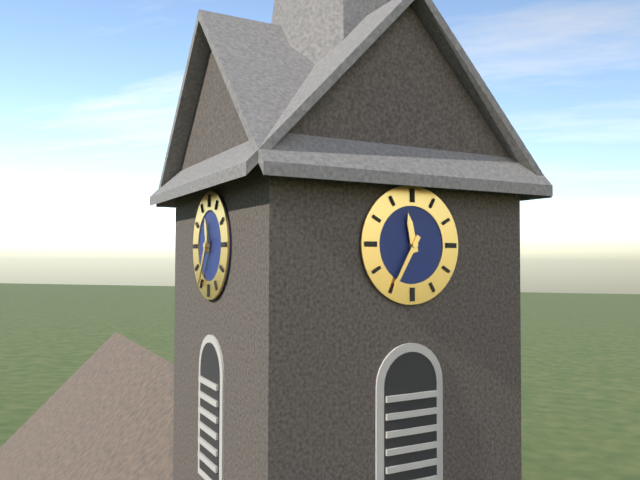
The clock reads {"hour": 11, "minute": 35}
